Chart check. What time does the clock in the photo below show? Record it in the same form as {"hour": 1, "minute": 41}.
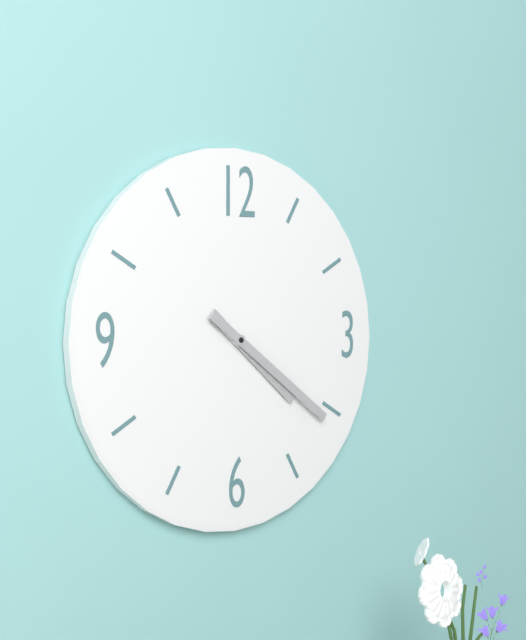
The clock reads {"hour": 4, "minute": 21}
